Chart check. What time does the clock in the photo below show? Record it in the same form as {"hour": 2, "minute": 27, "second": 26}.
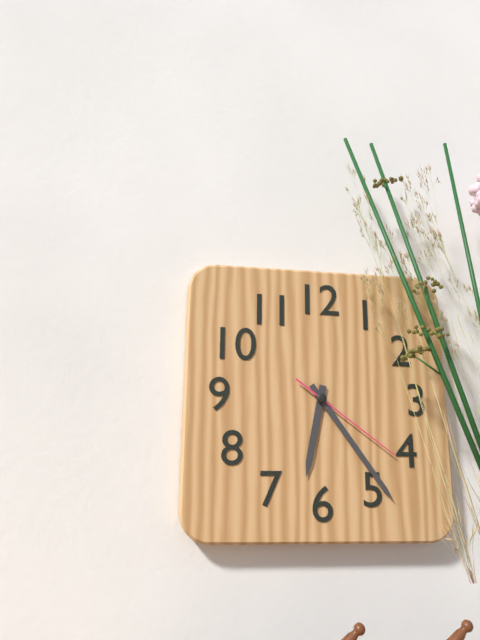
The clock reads {"hour": 6, "minute": 24, "second": 21}
